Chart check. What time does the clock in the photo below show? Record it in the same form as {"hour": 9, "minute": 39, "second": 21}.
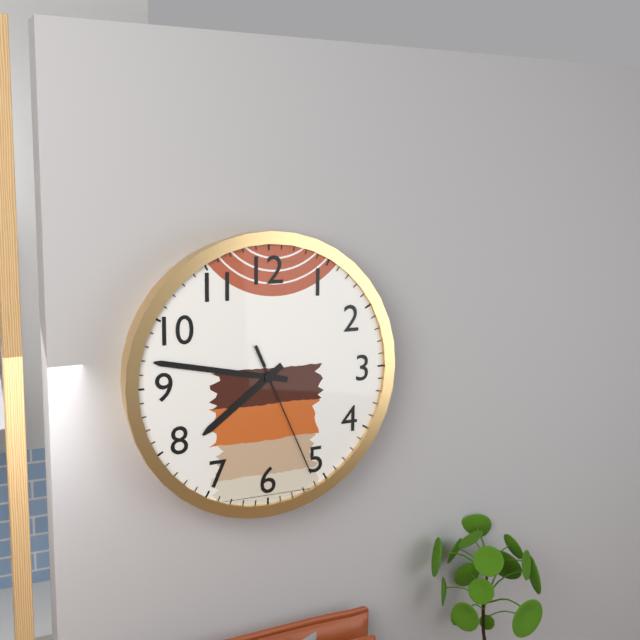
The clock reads {"hour": 7, "minute": 47, "second": 26}
